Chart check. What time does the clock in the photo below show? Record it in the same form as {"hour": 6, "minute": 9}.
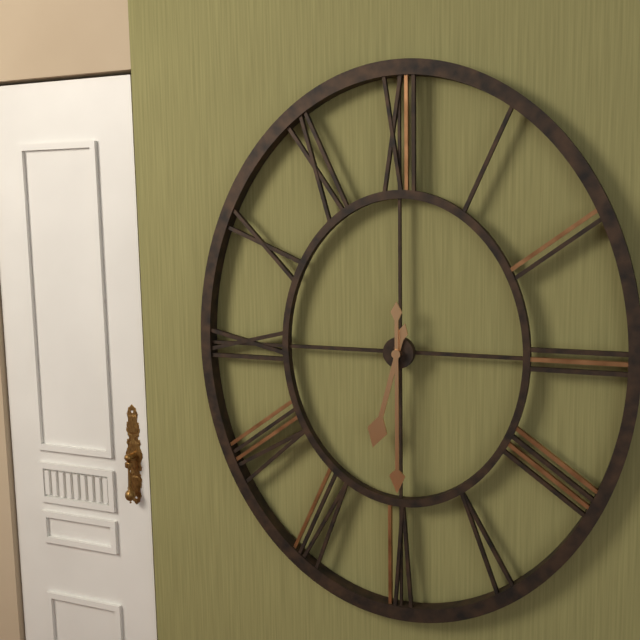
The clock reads {"hour": 6, "minute": 30}
